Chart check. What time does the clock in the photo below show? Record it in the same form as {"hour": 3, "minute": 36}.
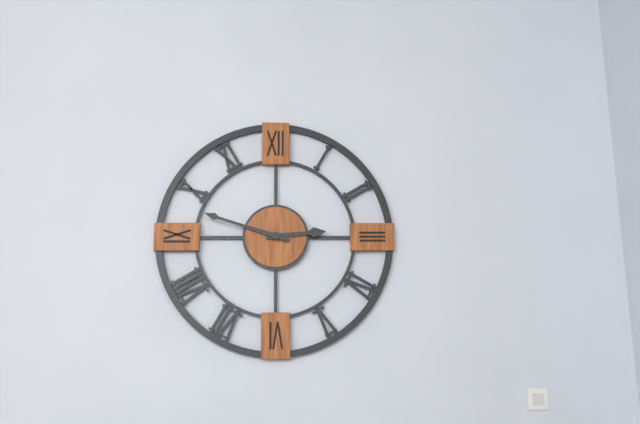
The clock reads {"hour": 2, "minute": 48}
